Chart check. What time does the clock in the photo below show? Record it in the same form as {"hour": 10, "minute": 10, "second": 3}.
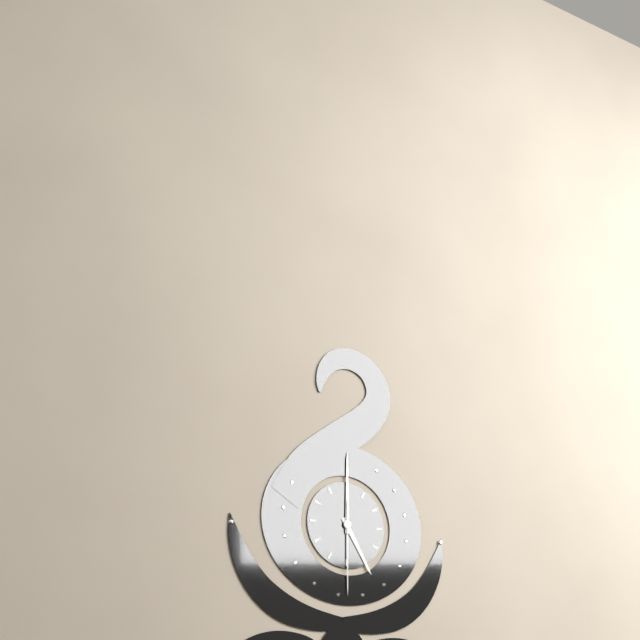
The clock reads {"hour": 5, "minute": 0, "second": 30}
